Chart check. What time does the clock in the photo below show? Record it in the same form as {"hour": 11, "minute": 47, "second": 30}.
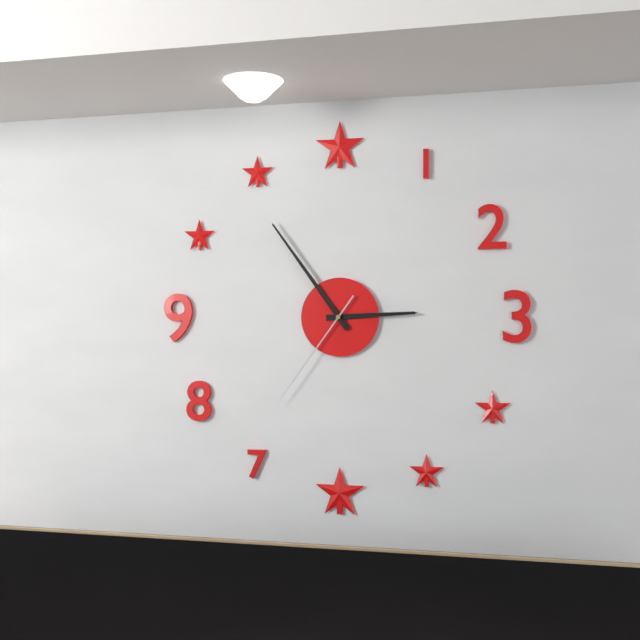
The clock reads {"hour": 2, "minute": 54, "second": 36}
